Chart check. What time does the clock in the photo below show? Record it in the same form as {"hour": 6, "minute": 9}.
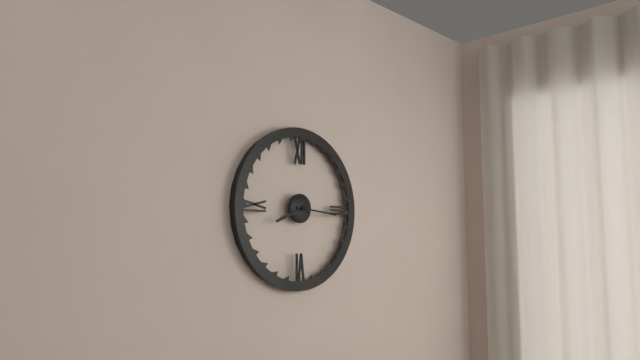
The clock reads {"hour": 8, "minute": 16}
